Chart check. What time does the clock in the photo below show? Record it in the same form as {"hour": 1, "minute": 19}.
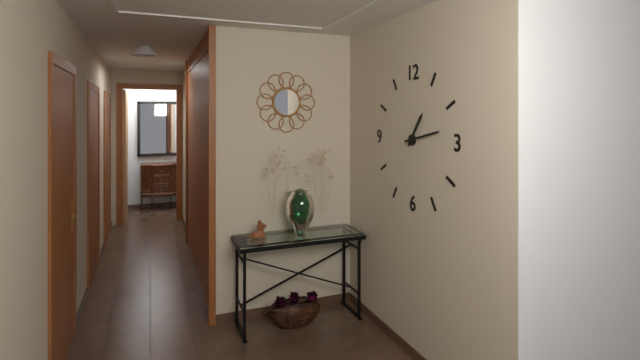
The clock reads {"hour": 1, "minute": 13}
